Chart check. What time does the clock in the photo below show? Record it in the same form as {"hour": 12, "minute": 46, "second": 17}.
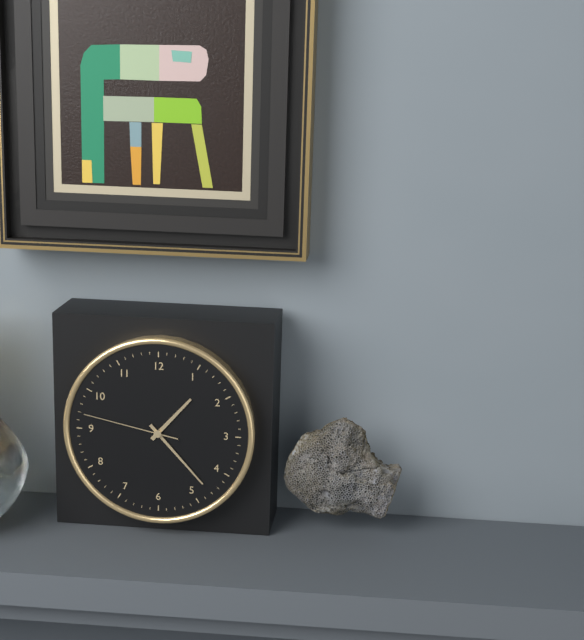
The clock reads {"hour": 1, "minute": 23, "second": 47}
